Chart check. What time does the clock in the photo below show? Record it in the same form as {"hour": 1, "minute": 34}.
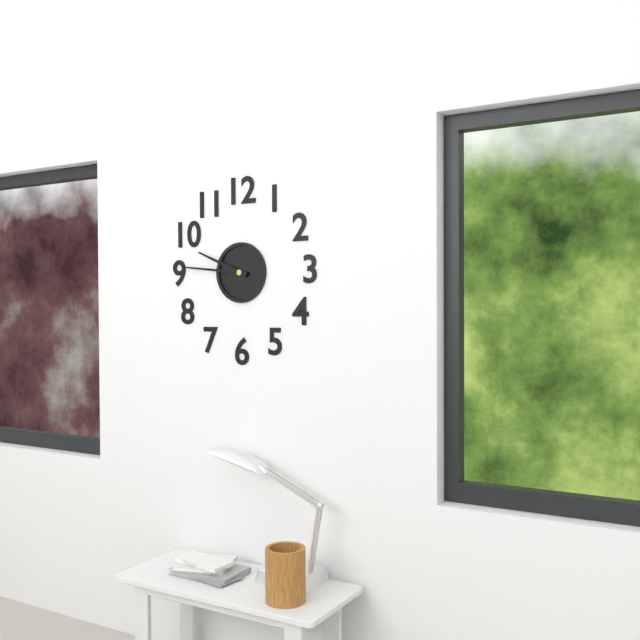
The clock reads {"hour": 9, "minute": 46}
